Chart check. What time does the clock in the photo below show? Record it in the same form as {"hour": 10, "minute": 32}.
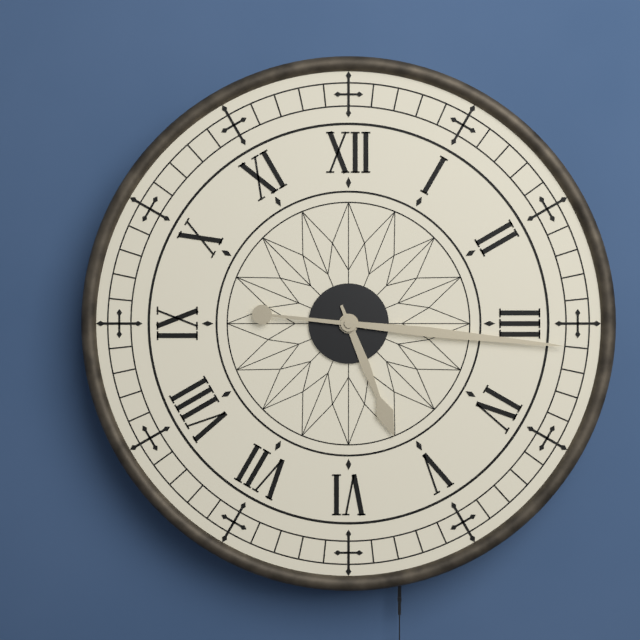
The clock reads {"hour": 5, "minute": 16}
